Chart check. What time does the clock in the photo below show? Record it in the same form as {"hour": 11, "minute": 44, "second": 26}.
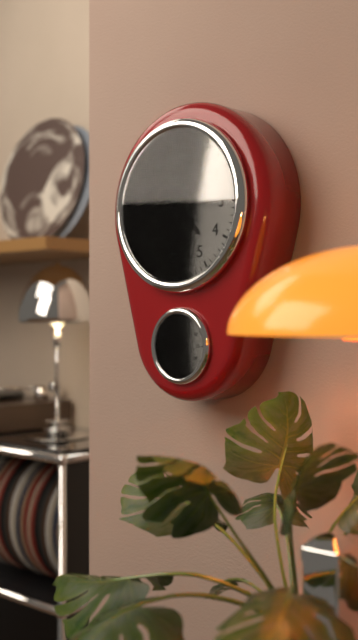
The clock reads {"hour": 4, "minute": 34, "second": 15}
